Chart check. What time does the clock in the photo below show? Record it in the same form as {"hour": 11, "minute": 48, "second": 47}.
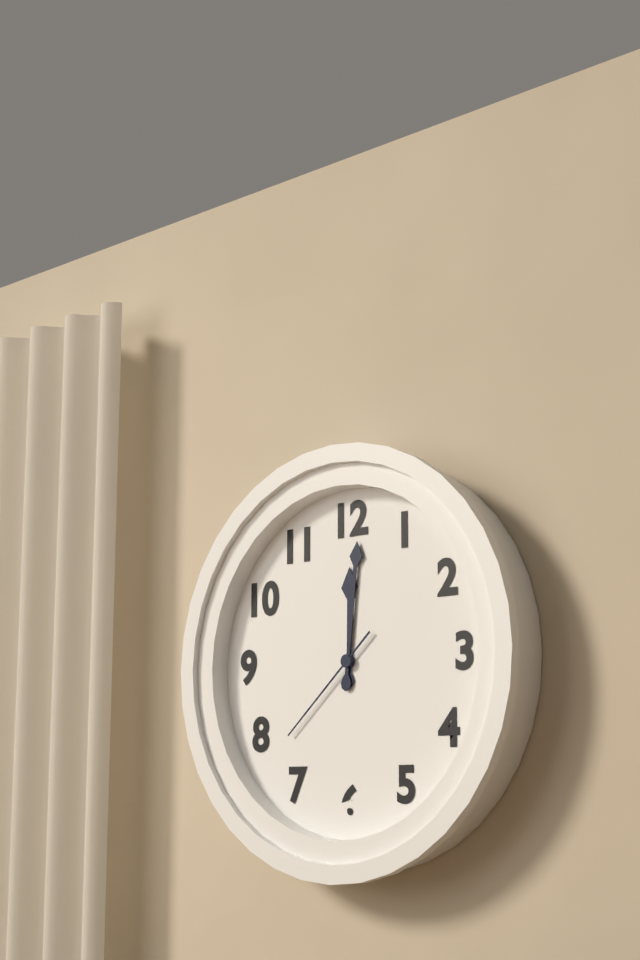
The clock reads {"hour": 12, "minute": 1, "second": 38}
